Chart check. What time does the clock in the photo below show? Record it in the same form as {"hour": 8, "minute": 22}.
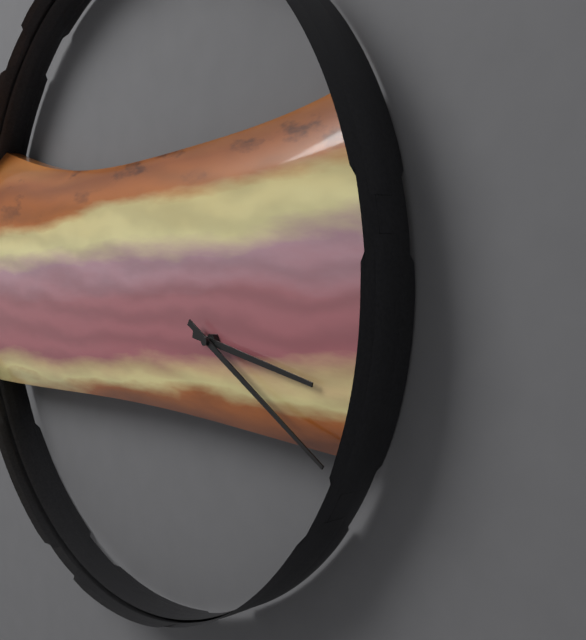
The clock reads {"hour": 3, "minute": 20}
